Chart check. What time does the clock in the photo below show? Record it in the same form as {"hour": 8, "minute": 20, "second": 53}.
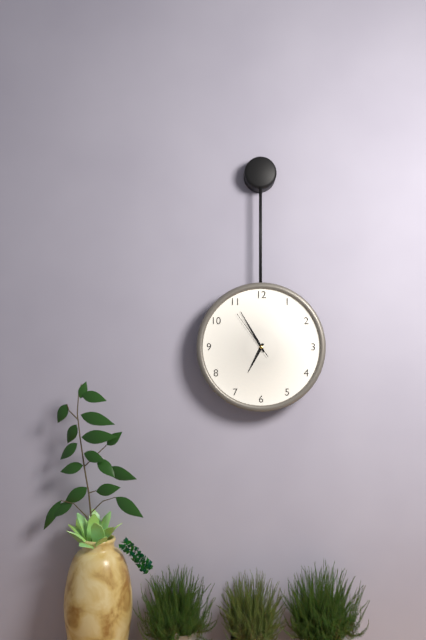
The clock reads {"hour": 6, "minute": 55, "second": 54}
